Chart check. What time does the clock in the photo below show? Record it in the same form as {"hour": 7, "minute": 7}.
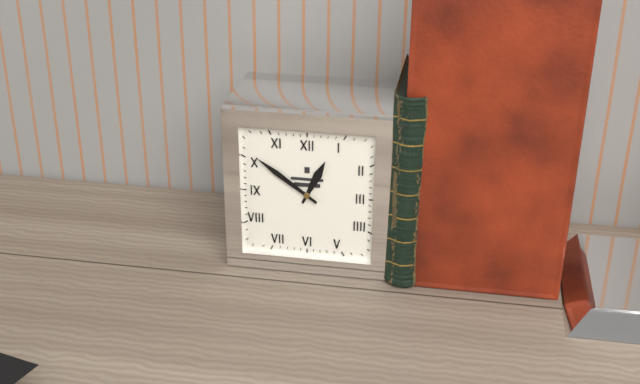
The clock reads {"hour": 12, "minute": 51}
